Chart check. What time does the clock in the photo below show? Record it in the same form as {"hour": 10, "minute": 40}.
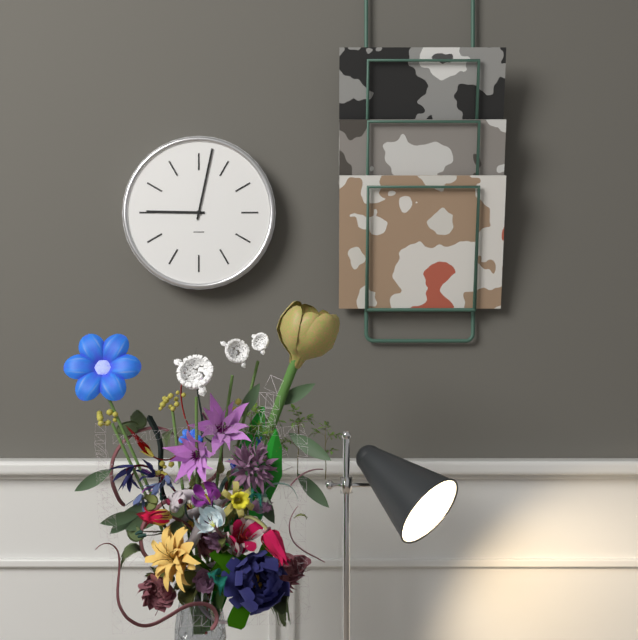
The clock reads {"hour": 9, "minute": 2}
